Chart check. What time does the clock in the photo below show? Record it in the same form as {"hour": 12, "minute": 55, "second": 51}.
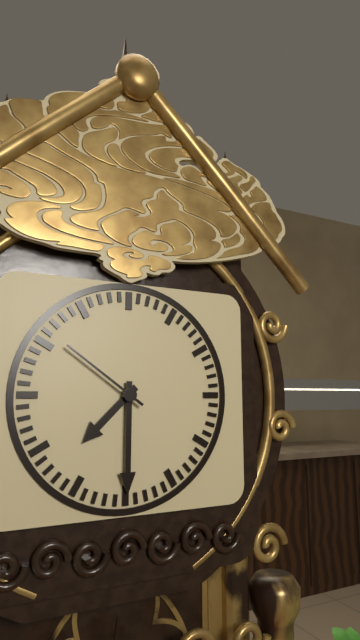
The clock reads {"hour": 7, "minute": 30, "second": 51}
